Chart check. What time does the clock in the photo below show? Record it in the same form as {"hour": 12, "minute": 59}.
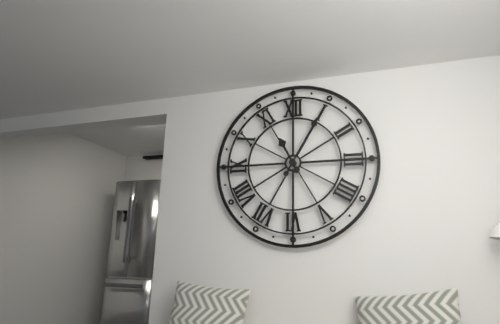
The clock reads {"hour": 11, "minute": 5}
